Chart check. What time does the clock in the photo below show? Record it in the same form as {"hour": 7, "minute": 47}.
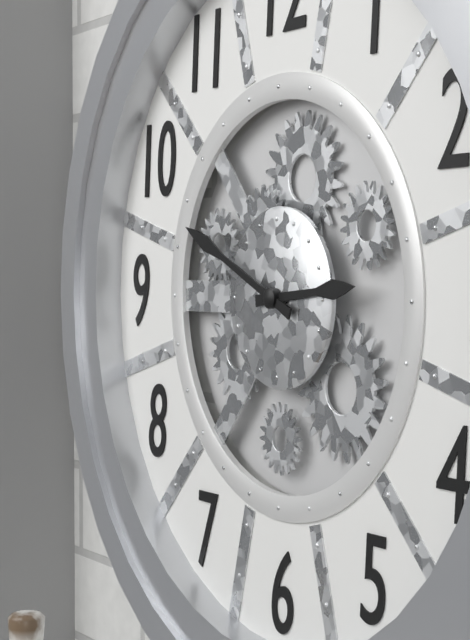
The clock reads {"hour": 2, "minute": 49}
